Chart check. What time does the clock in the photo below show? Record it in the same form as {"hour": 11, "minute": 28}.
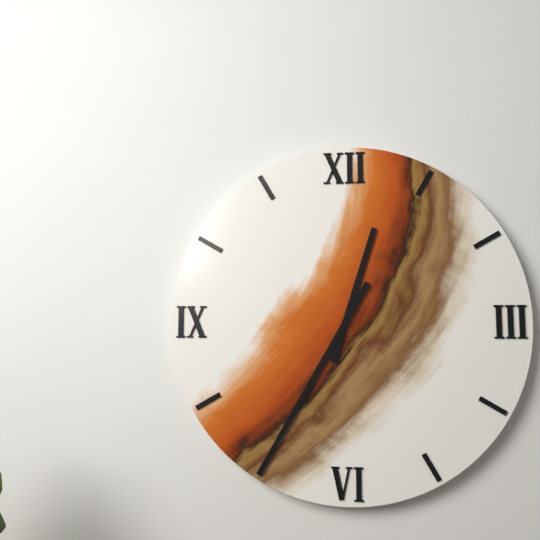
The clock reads {"hour": 12, "minute": 35}
